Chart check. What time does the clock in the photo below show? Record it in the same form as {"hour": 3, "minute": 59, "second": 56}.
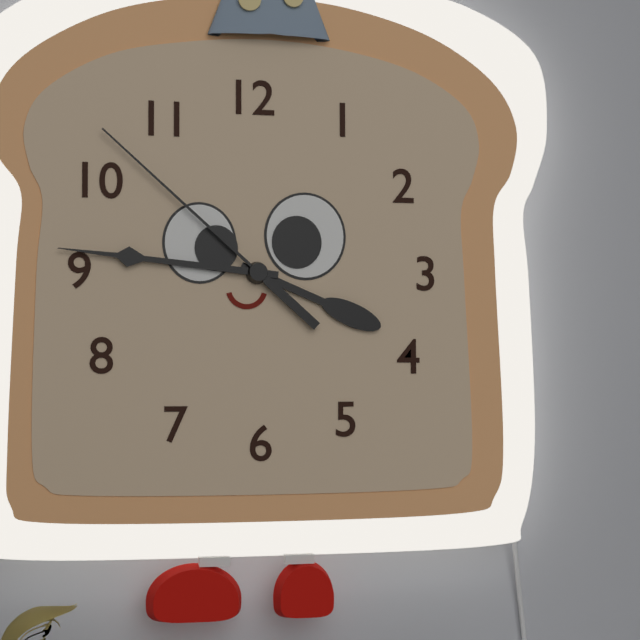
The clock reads {"hour": 3, "minute": 46, "second": 52}
